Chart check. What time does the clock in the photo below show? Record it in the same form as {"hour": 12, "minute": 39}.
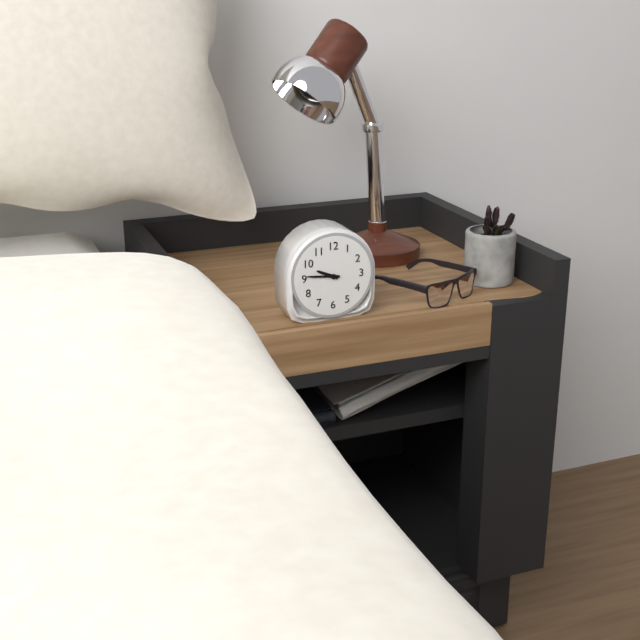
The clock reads {"hour": 9, "minute": 46}
